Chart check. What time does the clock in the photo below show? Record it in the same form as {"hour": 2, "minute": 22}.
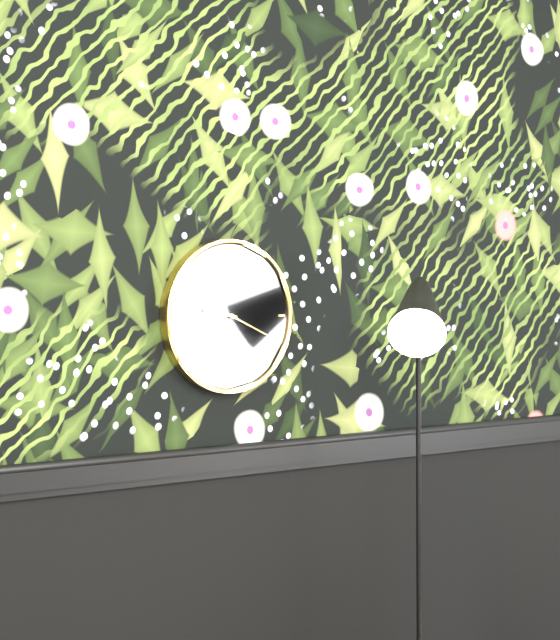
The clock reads {"hour": 9, "minute": 19}
